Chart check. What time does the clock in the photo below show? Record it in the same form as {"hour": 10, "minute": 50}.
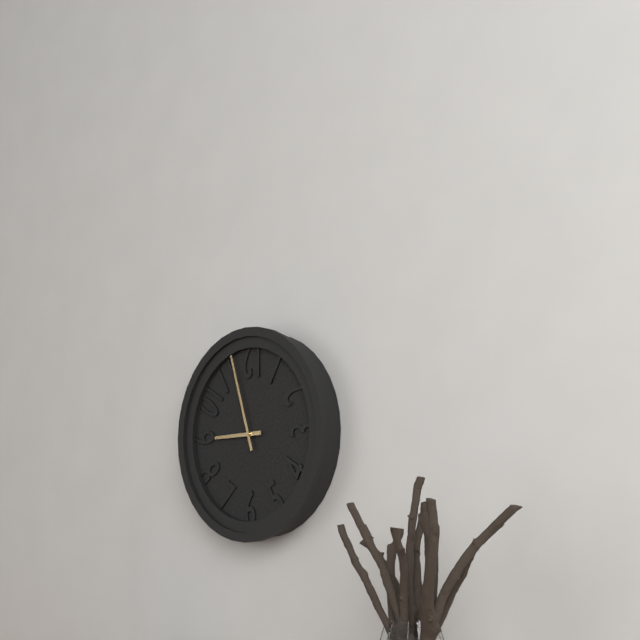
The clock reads {"hour": 8, "minute": 57}
